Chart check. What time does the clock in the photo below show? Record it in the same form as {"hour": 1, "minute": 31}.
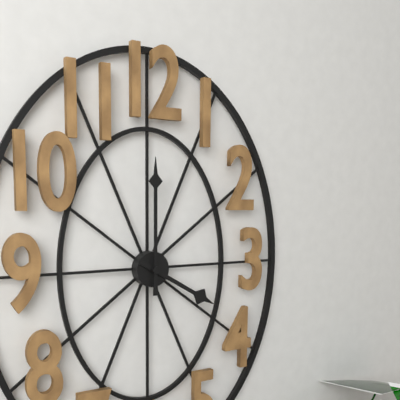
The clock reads {"hour": 4, "minute": 0}
